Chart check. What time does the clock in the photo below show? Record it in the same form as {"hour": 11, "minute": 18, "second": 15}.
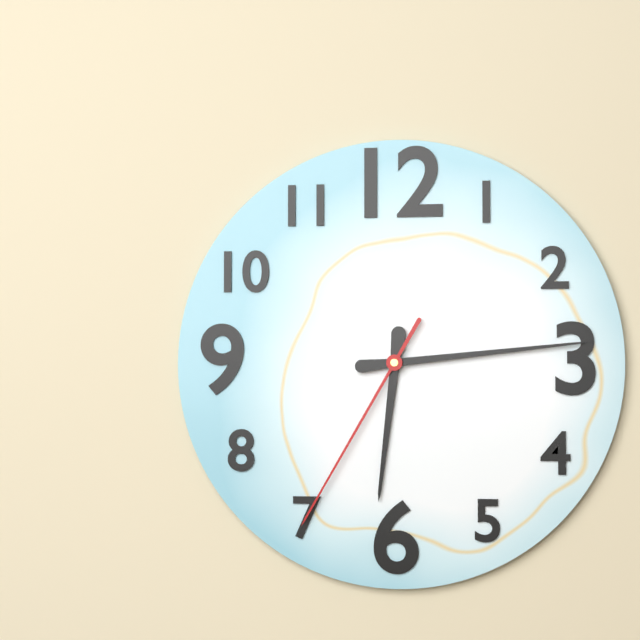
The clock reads {"hour": 6, "minute": 14, "second": 35}
